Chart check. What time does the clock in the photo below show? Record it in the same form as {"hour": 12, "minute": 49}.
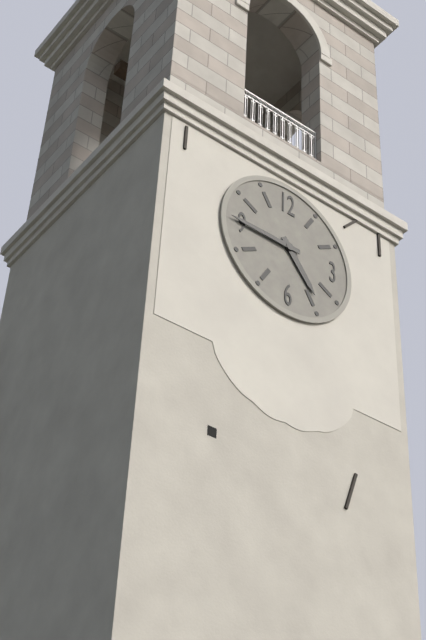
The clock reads {"hour": 4, "minute": 45}
